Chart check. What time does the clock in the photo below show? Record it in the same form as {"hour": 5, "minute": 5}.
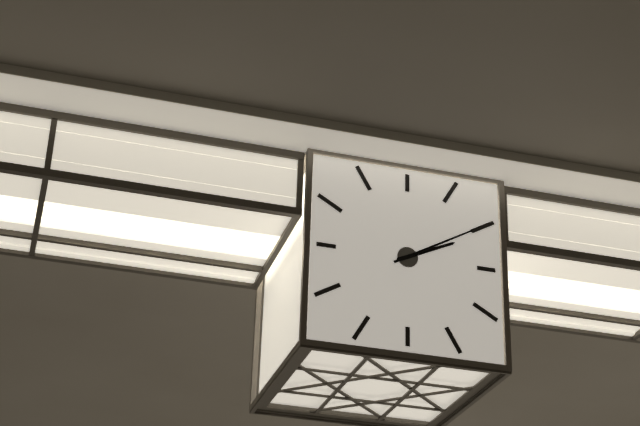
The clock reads {"hour": 2, "minute": 10}
